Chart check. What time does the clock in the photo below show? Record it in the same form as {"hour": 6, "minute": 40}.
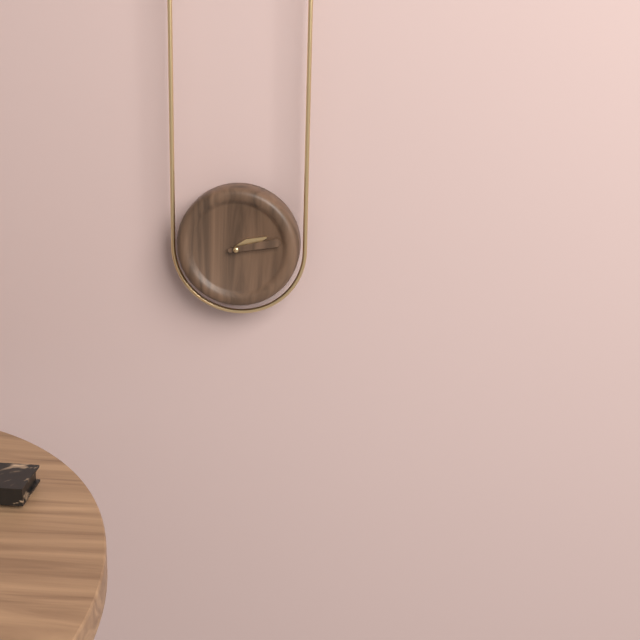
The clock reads {"hour": 2, "minute": 13}
